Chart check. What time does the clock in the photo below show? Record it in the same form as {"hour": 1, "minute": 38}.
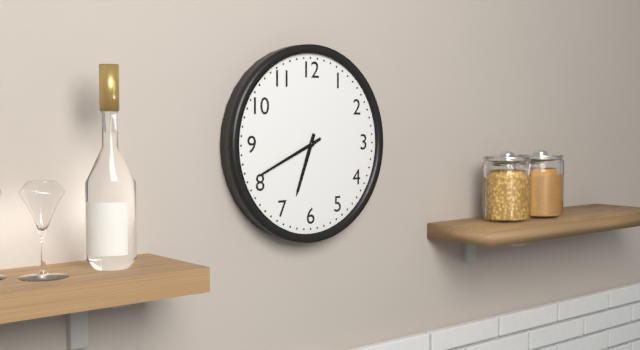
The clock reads {"hour": 6, "minute": 41}
